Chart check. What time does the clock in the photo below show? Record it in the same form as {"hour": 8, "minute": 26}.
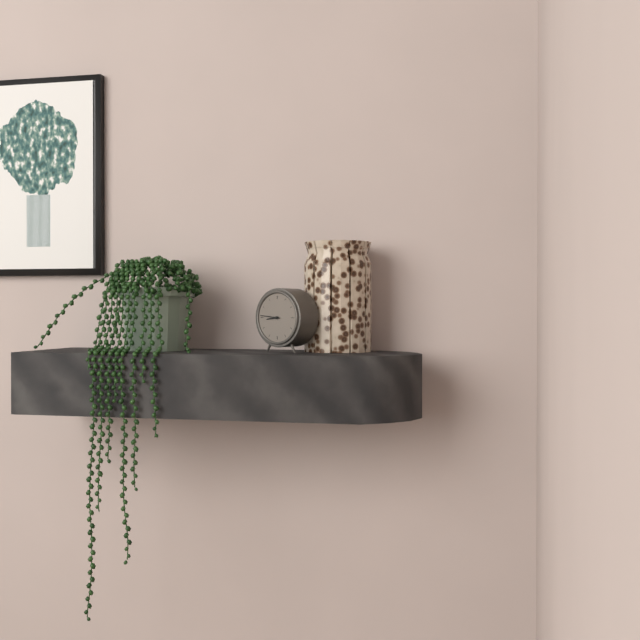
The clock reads {"hour": 8, "minute": 46}
